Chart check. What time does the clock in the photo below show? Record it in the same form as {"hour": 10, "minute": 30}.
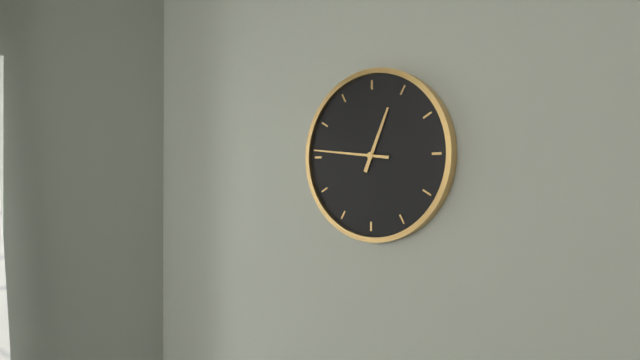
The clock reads {"hour": 12, "minute": 46}
